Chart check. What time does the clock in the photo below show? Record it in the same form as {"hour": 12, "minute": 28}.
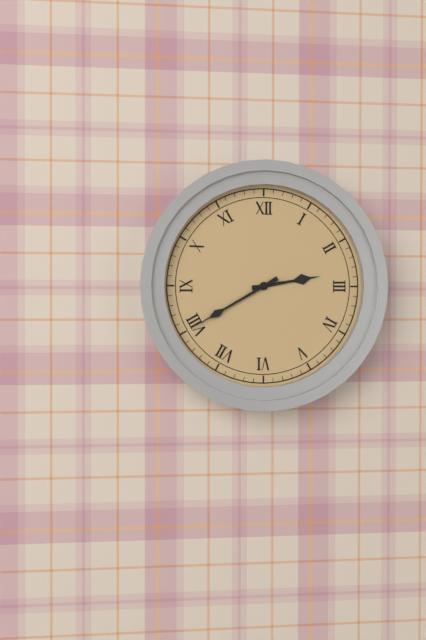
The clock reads {"hour": 2, "minute": 40}
